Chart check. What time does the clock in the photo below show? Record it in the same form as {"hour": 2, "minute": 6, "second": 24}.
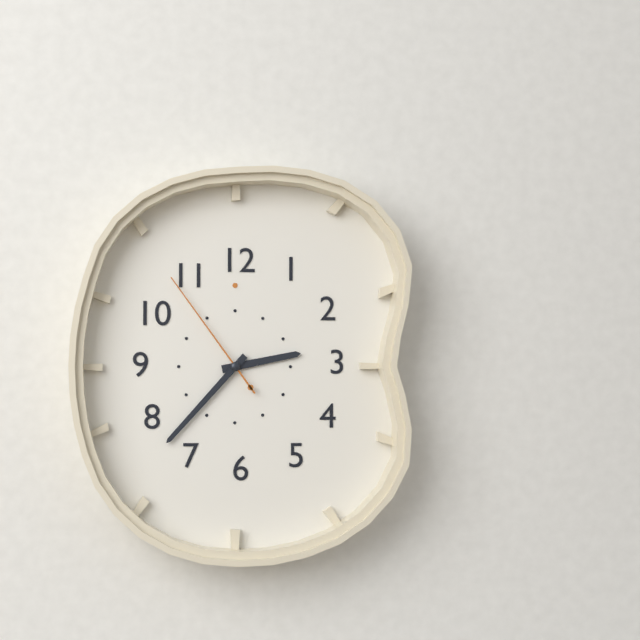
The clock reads {"hour": 2, "minute": 37, "second": 54}
